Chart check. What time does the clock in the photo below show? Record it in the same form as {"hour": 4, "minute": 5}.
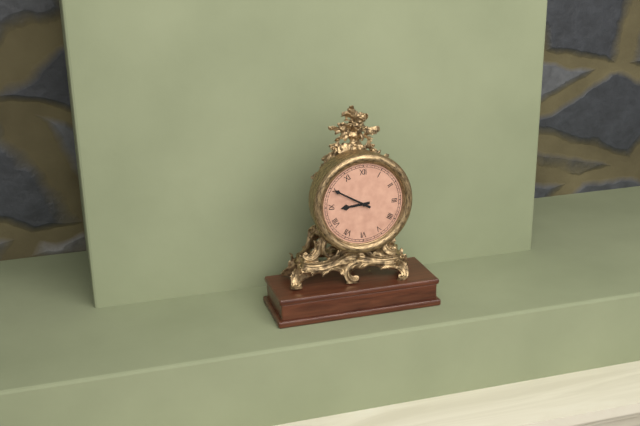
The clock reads {"hour": 8, "minute": 50}
